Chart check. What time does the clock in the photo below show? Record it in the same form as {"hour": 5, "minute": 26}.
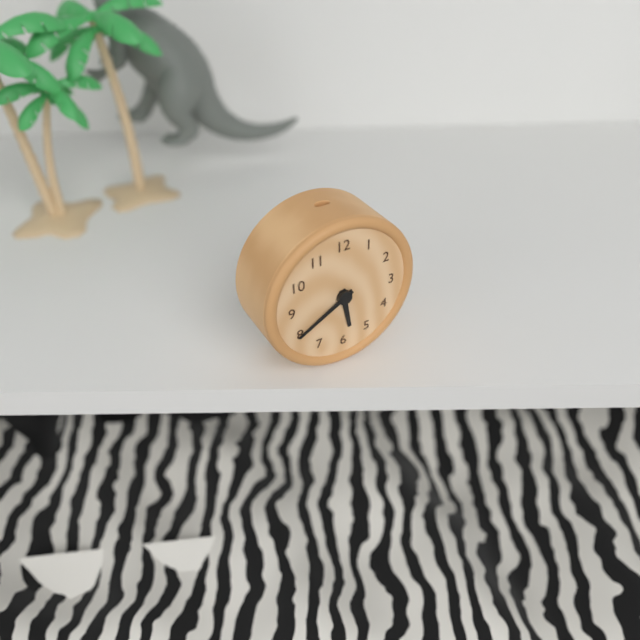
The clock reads {"hour": 5, "minute": 40}
